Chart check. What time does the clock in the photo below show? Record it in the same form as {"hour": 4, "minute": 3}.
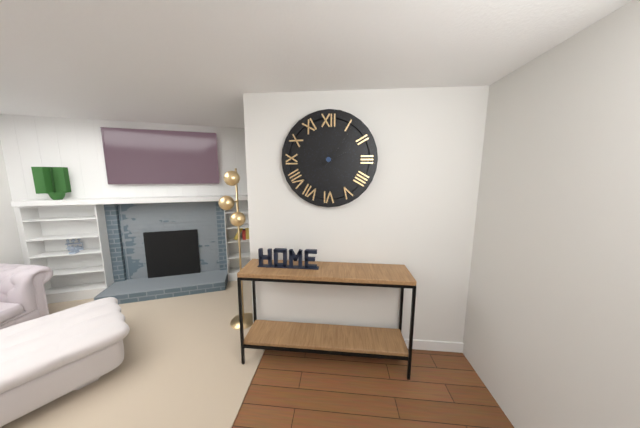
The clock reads {"hour": 2, "minute": 6}
